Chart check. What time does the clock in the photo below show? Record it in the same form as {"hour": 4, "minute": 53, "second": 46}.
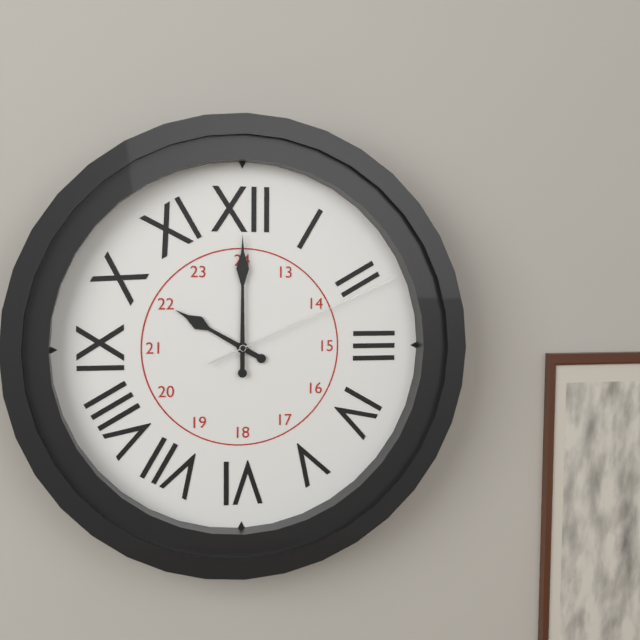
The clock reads {"hour": 10, "minute": 0, "second": 11}
